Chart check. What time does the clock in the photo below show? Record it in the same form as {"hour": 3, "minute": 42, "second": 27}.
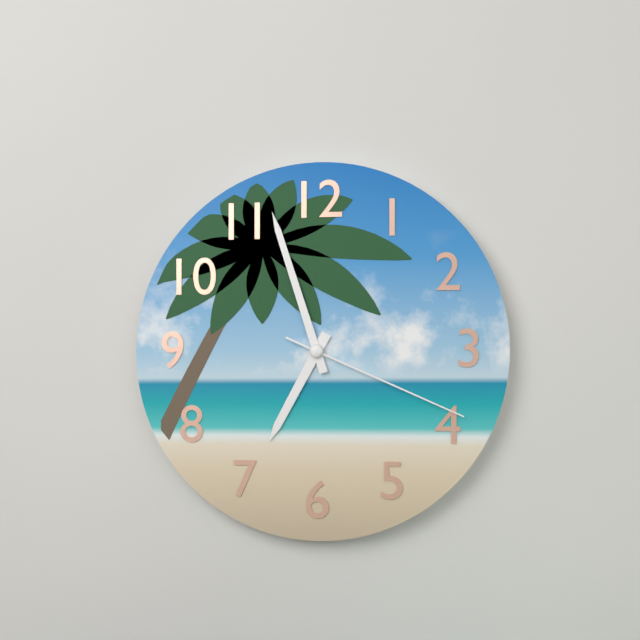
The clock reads {"hour": 6, "minute": 57, "second": 19}
